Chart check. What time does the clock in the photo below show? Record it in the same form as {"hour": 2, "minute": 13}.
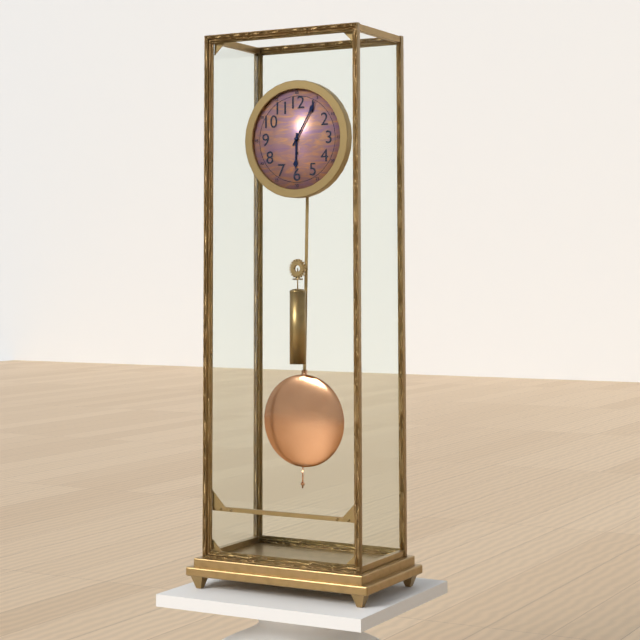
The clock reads {"hour": 6, "minute": 5}
